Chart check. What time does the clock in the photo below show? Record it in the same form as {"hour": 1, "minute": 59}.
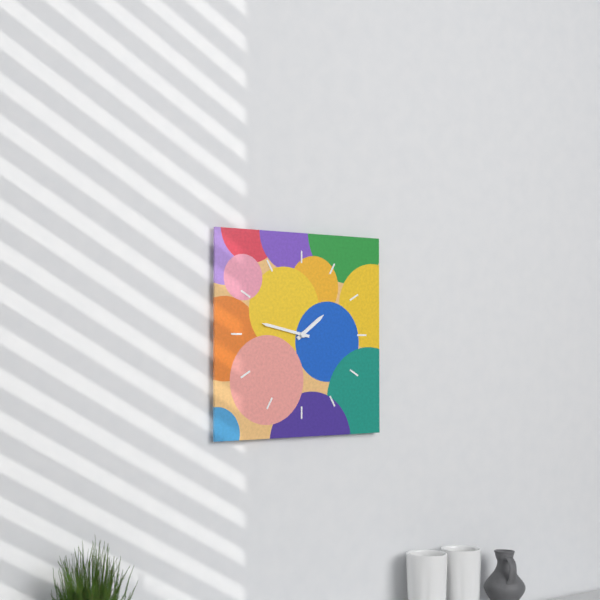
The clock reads {"hour": 1, "minute": 47}
